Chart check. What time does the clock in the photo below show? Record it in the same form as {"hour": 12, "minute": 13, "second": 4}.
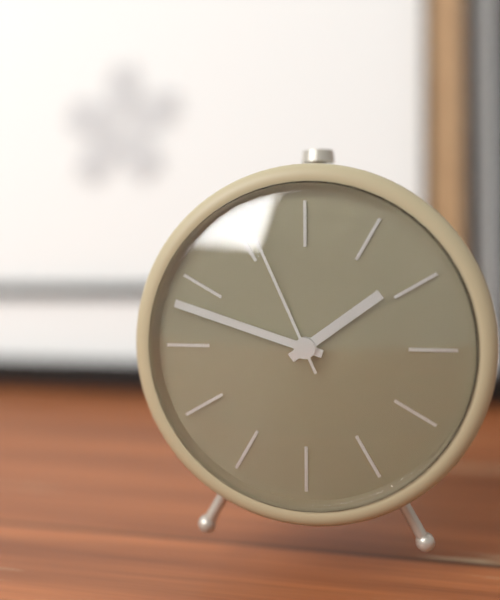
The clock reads {"hour": 1, "minute": 48, "second": 56}
